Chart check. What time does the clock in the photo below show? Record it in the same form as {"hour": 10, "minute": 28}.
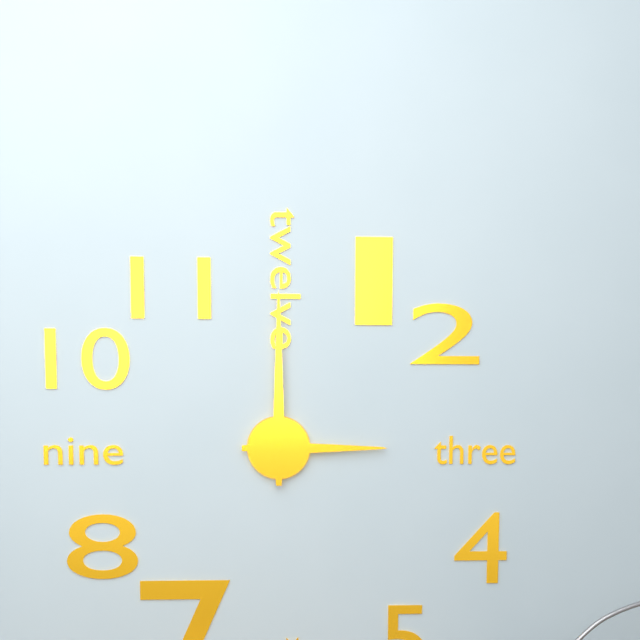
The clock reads {"hour": 3, "minute": 0}
